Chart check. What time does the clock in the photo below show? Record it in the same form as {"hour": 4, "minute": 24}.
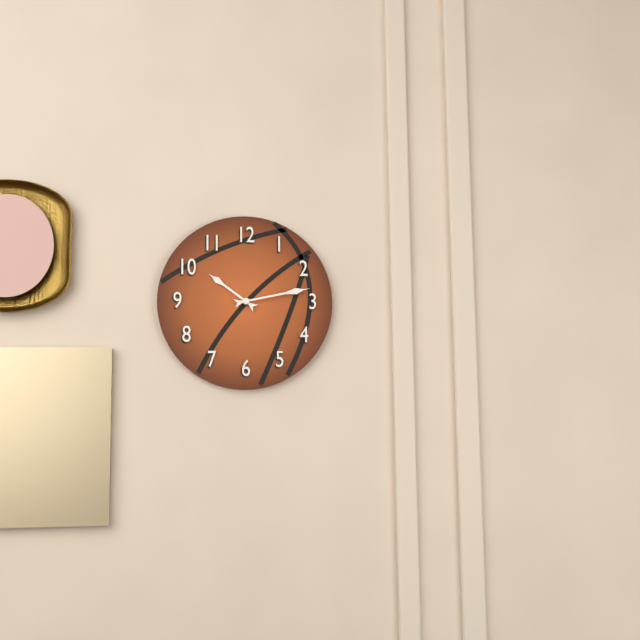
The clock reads {"hour": 10, "minute": 13}
